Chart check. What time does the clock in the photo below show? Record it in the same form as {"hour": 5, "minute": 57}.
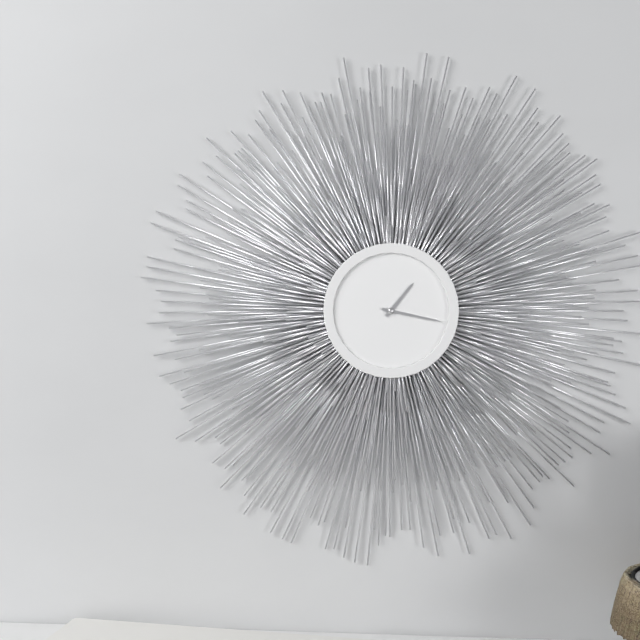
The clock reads {"hour": 1, "minute": 17}
